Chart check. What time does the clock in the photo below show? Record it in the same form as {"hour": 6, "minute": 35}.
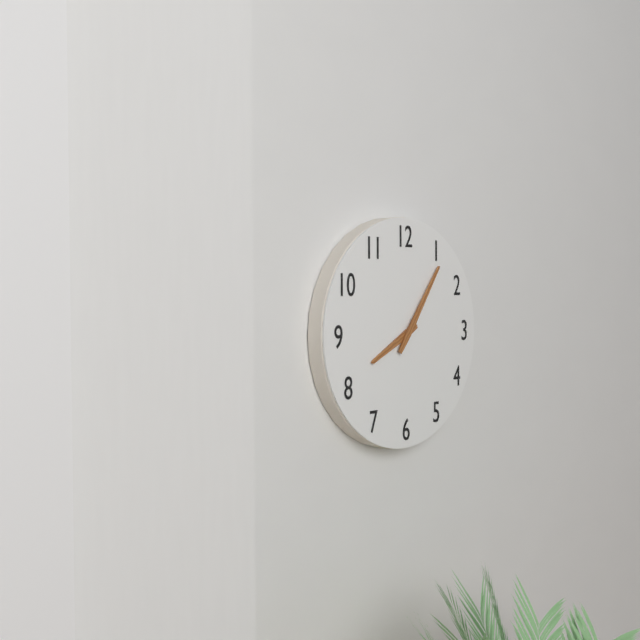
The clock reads {"hour": 8, "minute": 6}
